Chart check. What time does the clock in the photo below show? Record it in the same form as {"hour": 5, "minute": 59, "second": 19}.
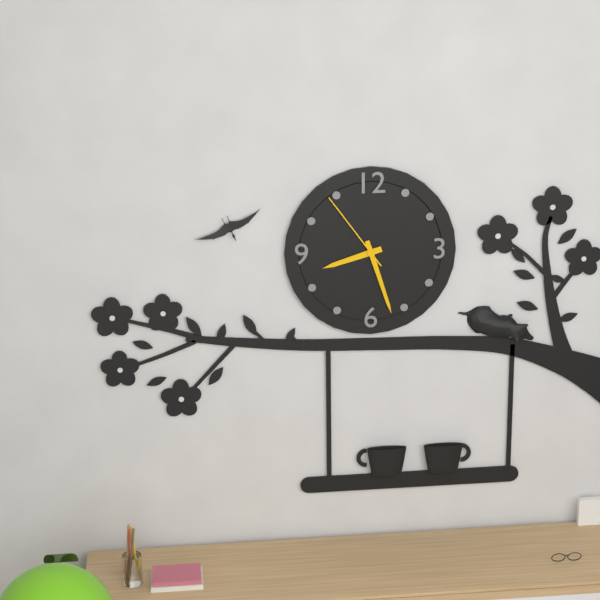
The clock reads {"hour": 8, "minute": 27, "second": 54}
